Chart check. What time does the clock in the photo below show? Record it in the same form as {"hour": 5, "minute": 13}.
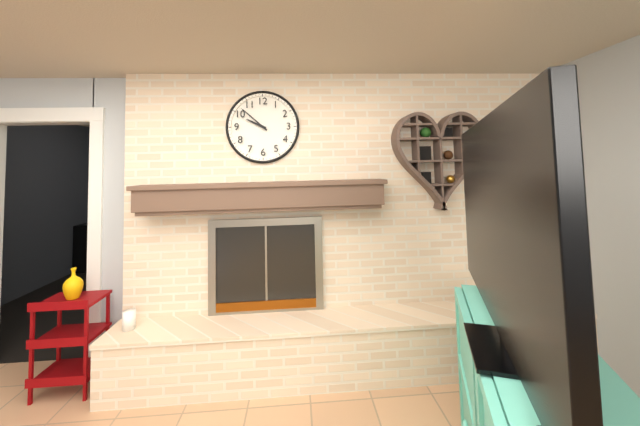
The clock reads {"hour": 9, "minute": 52}
